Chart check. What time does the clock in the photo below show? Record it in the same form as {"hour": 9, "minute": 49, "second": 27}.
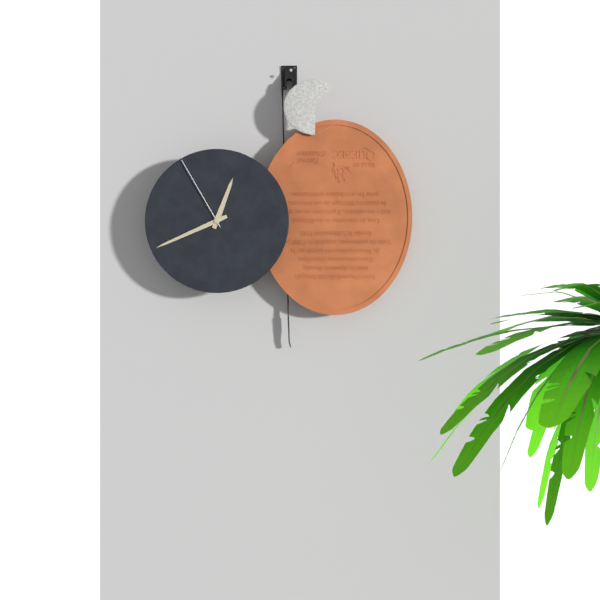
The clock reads {"hour": 12, "minute": 41, "second": 55}
